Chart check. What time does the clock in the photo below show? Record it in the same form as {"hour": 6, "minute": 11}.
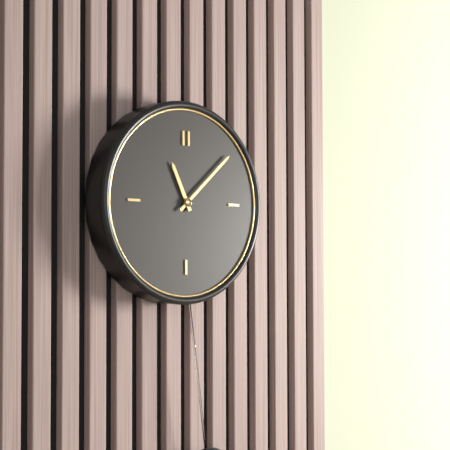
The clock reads {"hour": 11, "minute": 8}
